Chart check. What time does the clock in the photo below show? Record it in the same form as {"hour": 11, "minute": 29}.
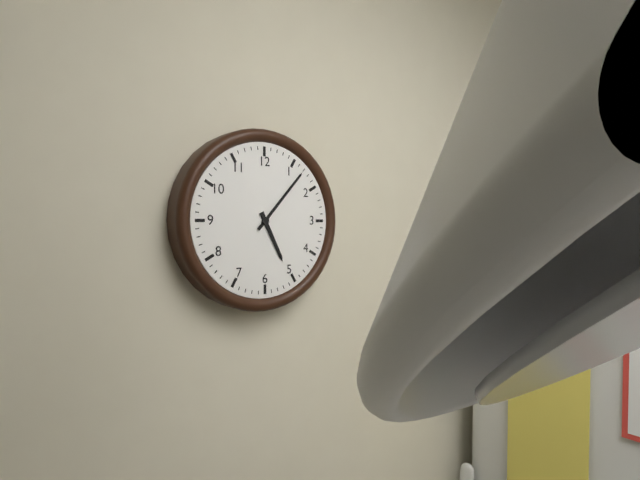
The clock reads {"hour": 5, "minute": 7}
